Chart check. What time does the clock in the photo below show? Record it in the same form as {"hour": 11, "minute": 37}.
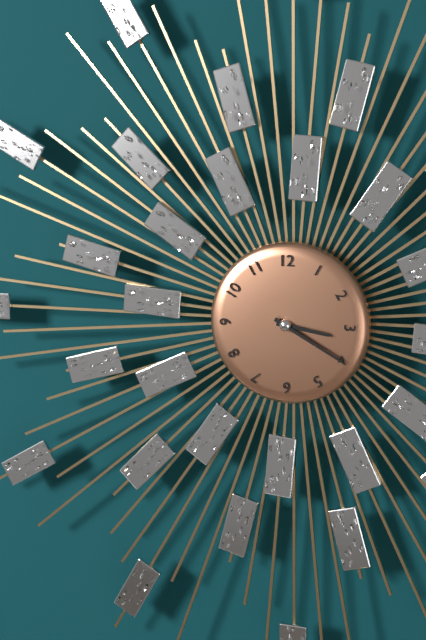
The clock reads {"hour": 3, "minute": 20}
